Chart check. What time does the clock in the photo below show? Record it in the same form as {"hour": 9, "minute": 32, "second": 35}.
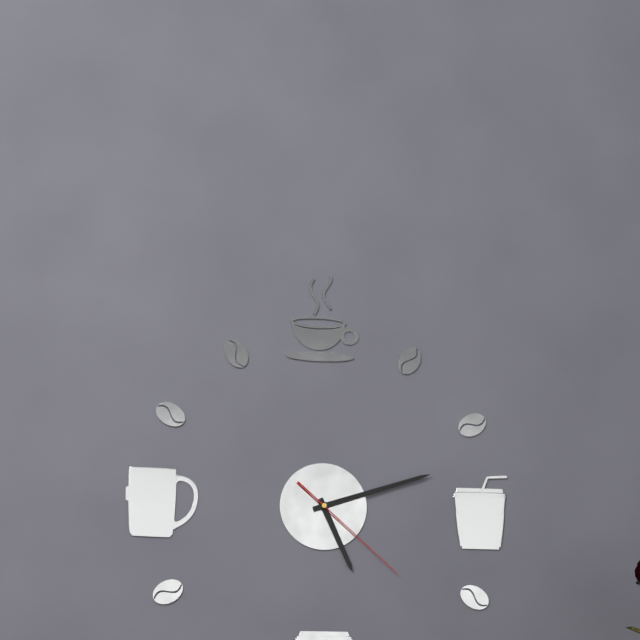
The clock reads {"hour": 5, "minute": 12, "second": 22}
